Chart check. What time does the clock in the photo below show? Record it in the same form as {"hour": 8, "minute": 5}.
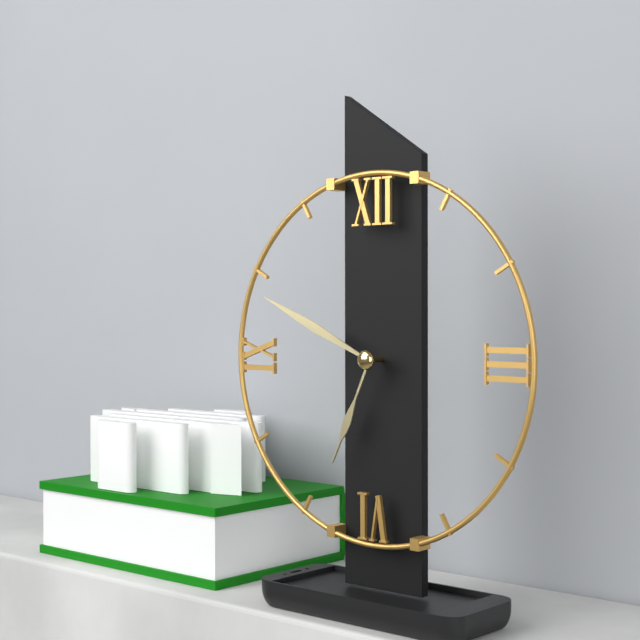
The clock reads {"hour": 6, "minute": 49}
